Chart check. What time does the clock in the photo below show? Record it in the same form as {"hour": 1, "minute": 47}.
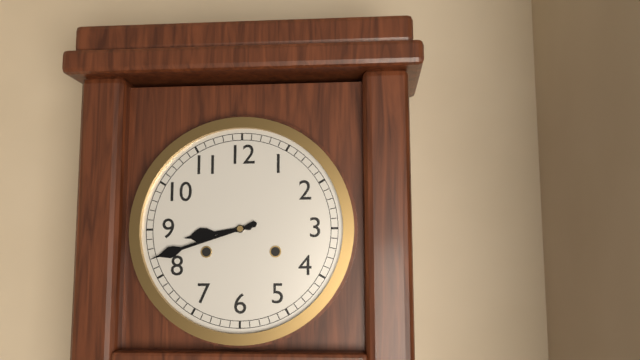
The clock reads {"hour": 8, "minute": 42}
